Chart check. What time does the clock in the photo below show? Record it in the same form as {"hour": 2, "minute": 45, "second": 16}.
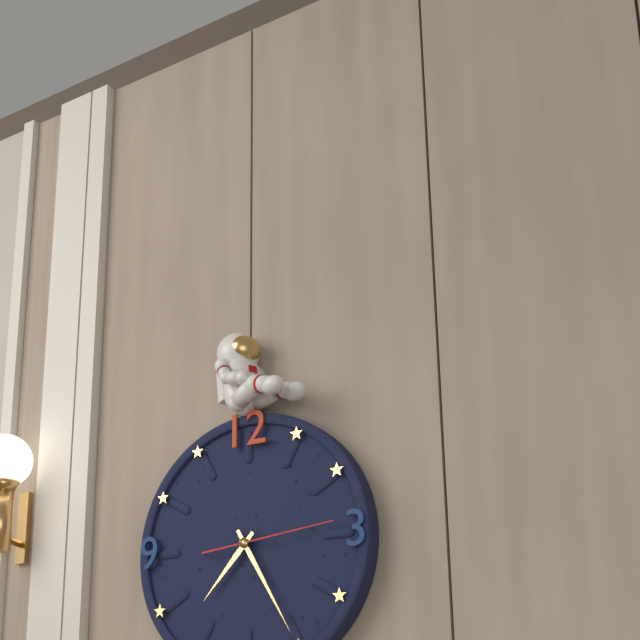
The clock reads {"hour": 7, "minute": 25, "second": 14}
